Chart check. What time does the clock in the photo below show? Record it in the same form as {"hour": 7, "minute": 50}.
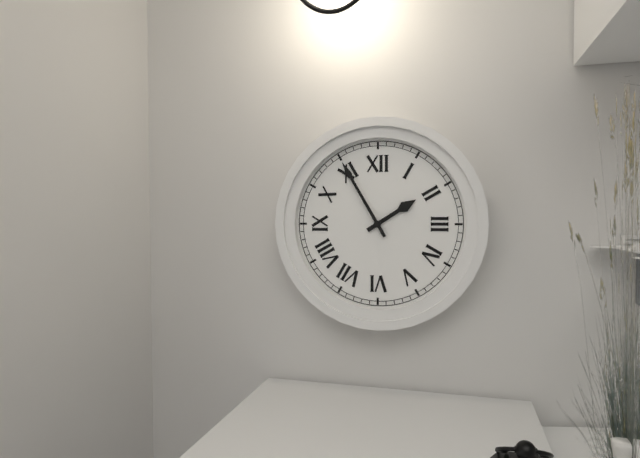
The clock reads {"hour": 1, "minute": 55}
